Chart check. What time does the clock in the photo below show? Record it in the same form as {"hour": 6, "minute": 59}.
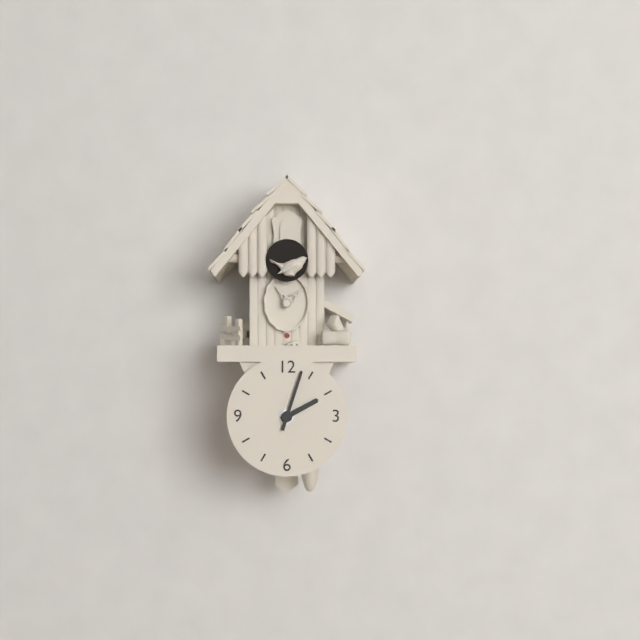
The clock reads {"hour": 2, "minute": 3}
